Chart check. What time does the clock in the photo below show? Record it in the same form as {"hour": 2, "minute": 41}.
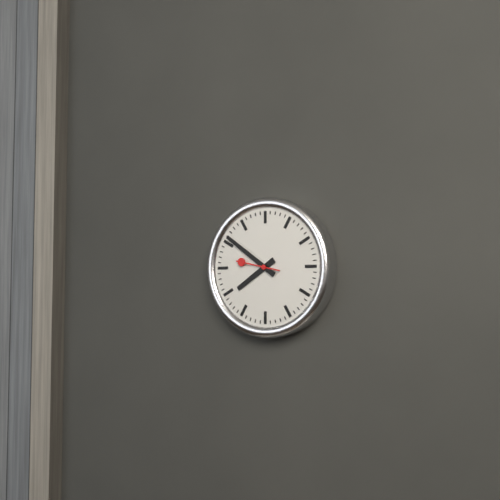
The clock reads {"hour": 7, "minute": 51}
